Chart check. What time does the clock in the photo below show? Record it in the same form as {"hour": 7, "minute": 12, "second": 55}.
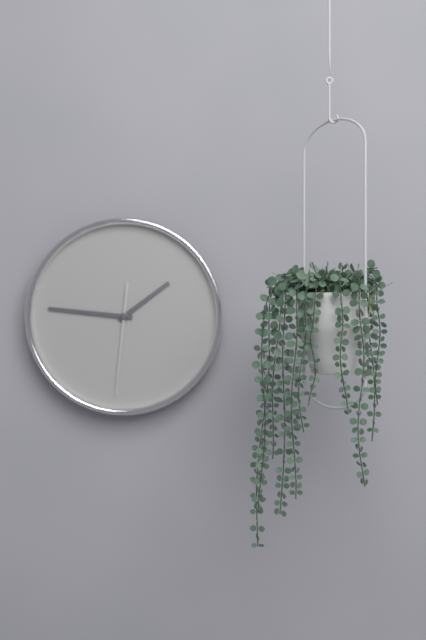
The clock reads {"hour": 1, "minute": 46, "second": 31}
